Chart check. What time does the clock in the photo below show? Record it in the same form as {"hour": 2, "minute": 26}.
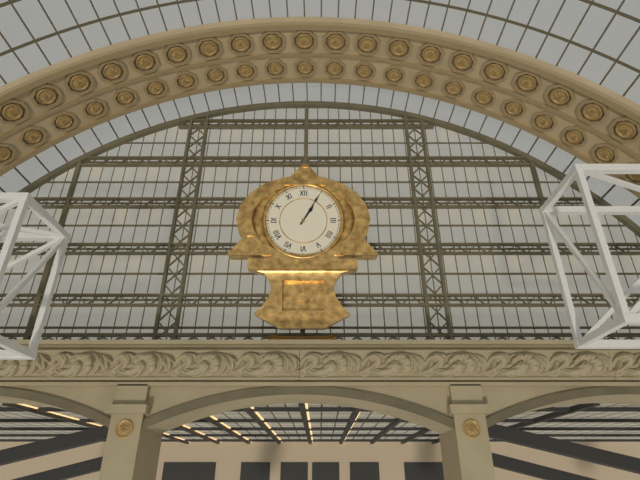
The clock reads {"hour": 1, "minute": 5}
